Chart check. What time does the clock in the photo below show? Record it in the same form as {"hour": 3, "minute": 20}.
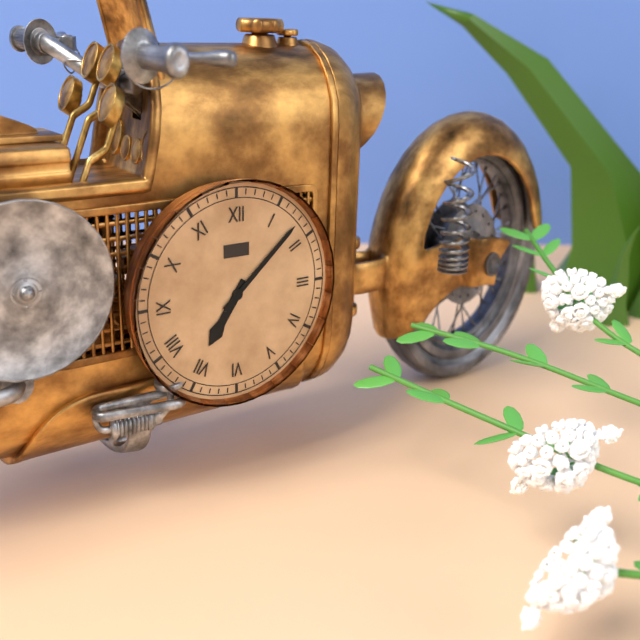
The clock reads {"hour": 7, "minute": 8}
